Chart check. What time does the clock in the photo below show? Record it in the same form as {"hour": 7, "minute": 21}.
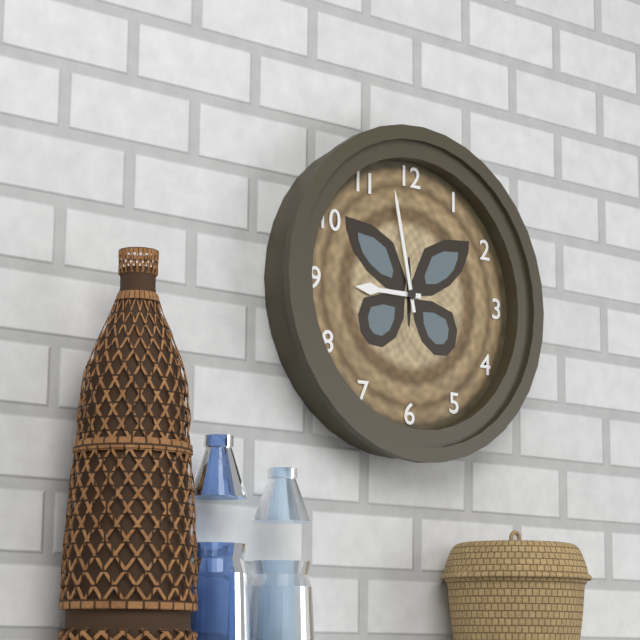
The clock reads {"hour": 8, "minute": 58}
